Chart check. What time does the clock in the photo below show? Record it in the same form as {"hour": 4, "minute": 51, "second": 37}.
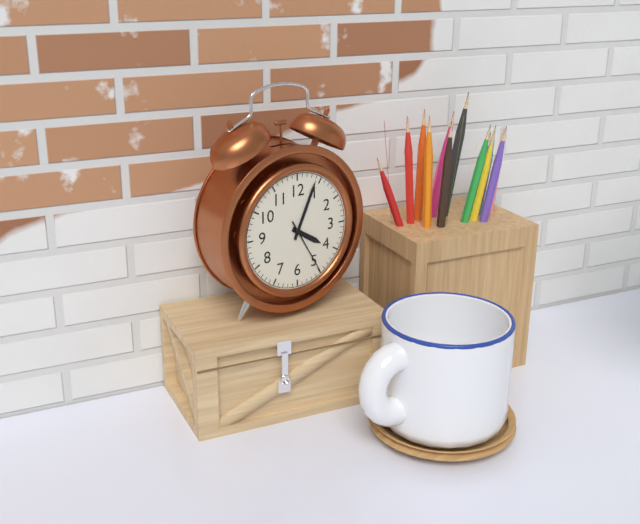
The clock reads {"hour": 4, "minute": 4, "second": 25}
